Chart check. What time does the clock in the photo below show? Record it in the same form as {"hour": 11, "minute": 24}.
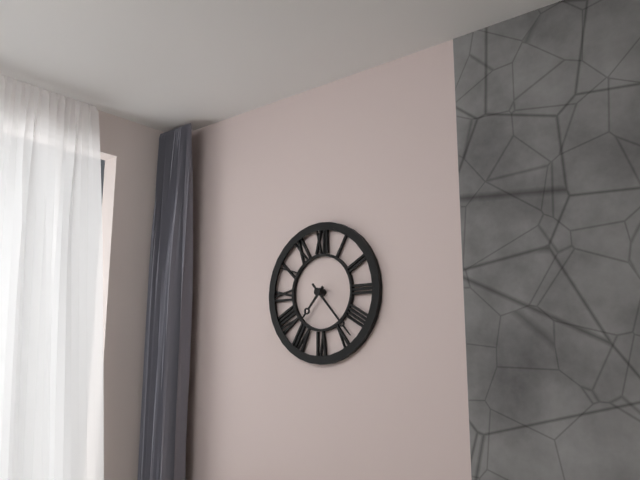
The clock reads {"hour": 7, "minute": 23}
